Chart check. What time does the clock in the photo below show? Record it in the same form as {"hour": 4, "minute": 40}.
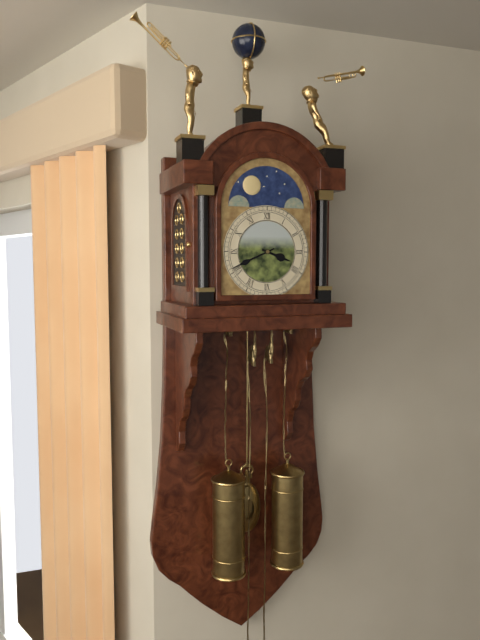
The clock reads {"hour": 3, "minute": 41}
